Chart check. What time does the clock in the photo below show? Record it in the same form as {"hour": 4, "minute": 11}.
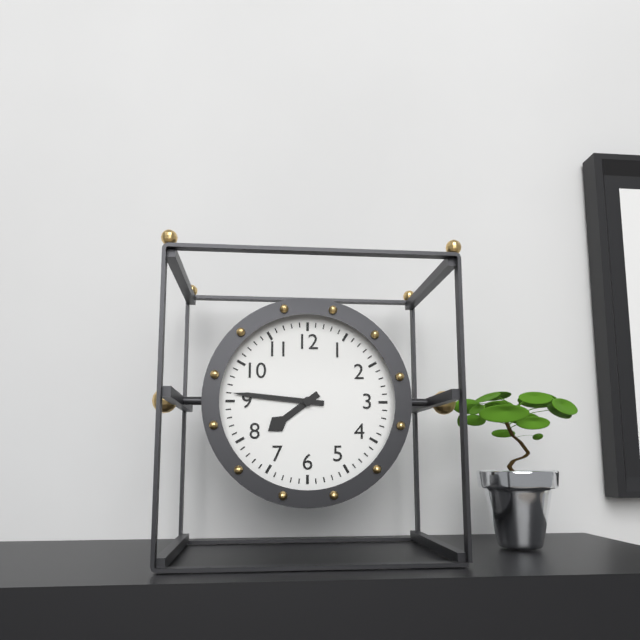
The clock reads {"hour": 7, "minute": 46}
